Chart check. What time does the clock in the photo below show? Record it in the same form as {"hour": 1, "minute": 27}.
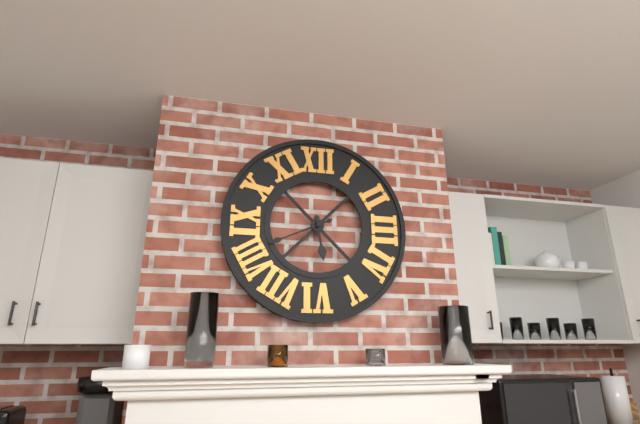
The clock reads {"hour": 5, "minute": 41}
